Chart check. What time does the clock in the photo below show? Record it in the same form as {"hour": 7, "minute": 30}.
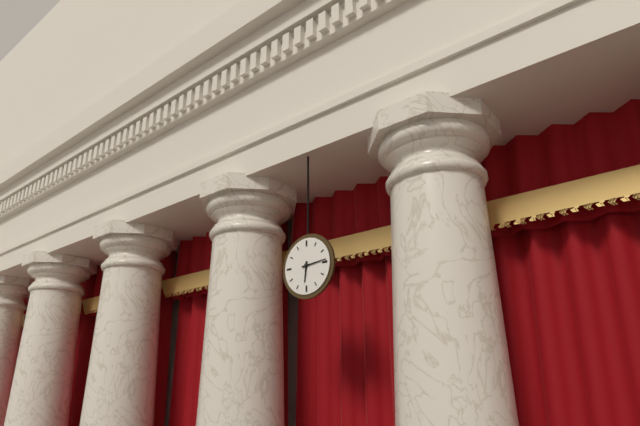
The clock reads {"hour": 6, "minute": 14}
